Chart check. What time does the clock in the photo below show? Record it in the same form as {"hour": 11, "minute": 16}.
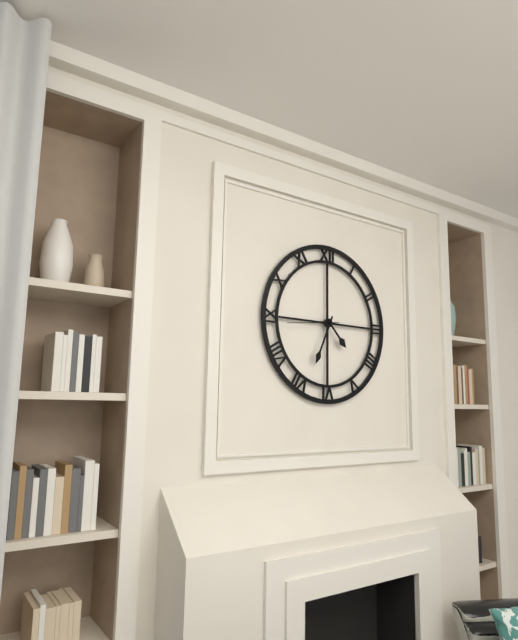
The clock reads {"hour": 4, "minute": 34}
